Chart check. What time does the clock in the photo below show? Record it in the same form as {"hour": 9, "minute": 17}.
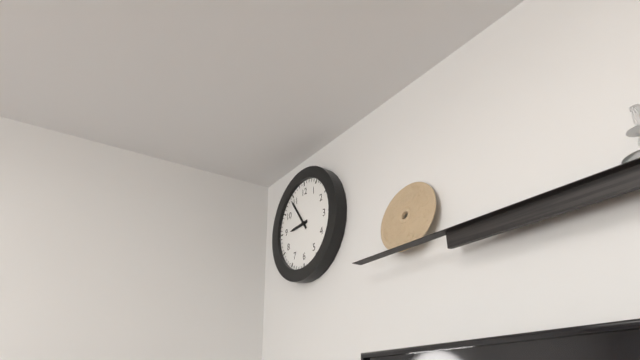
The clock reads {"hour": 8, "minute": 54}
